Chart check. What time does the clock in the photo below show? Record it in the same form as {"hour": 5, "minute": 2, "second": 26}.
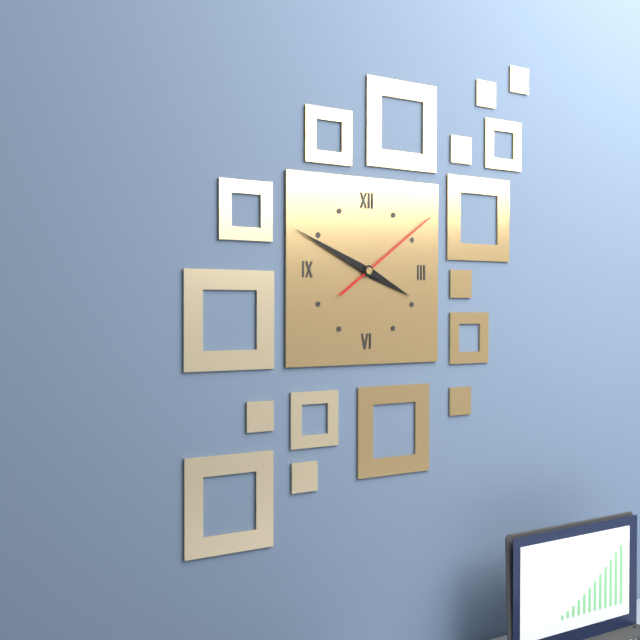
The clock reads {"hour": 3, "minute": 49, "second": 9}
